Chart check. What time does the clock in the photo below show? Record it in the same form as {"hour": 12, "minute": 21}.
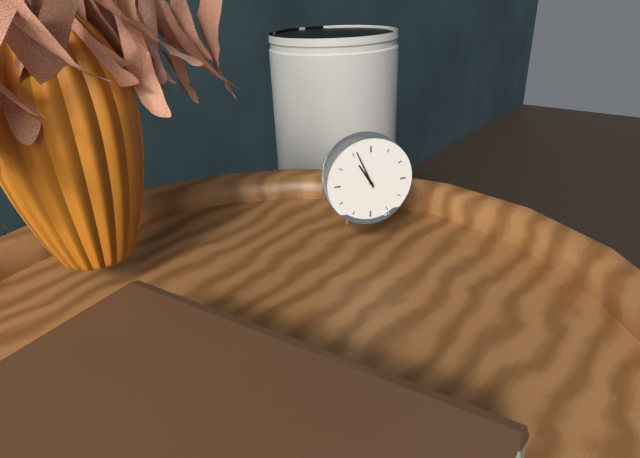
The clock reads {"hour": 10, "minute": 56}
